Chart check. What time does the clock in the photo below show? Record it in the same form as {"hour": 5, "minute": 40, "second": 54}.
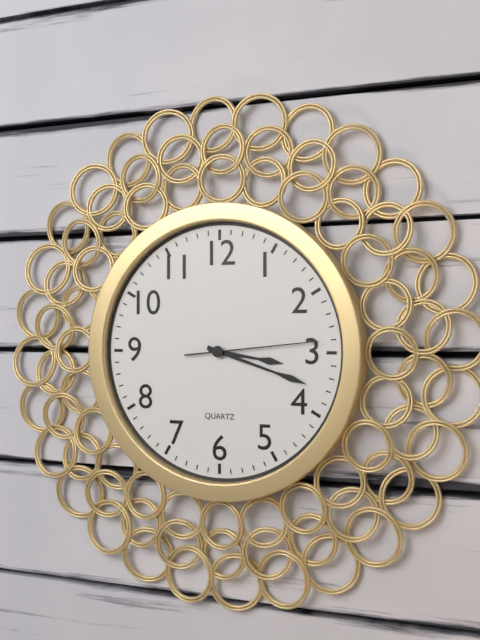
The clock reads {"hour": 3, "minute": 18, "second": 14}
